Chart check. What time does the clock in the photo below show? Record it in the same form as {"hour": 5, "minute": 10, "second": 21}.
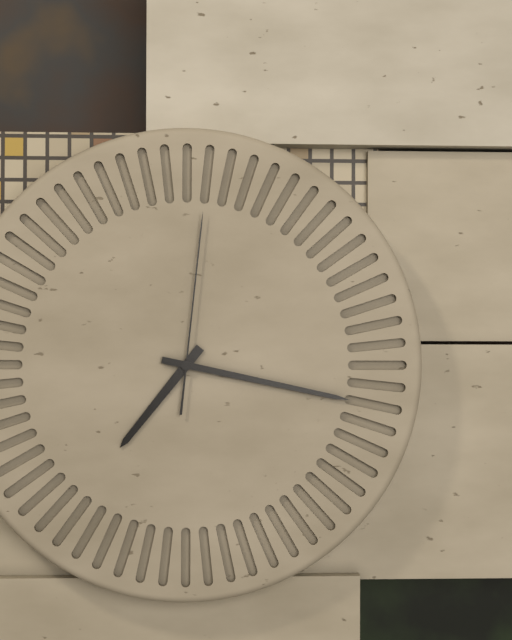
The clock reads {"hour": 7, "minute": 17, "second": 1}
